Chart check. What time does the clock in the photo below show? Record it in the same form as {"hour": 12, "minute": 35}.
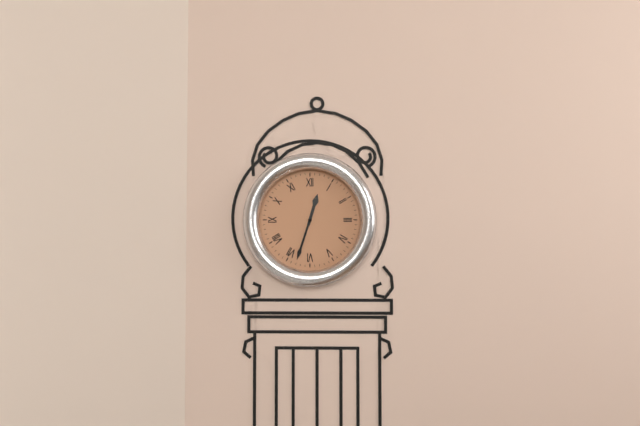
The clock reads {"hour": 12, "minute": 33}
